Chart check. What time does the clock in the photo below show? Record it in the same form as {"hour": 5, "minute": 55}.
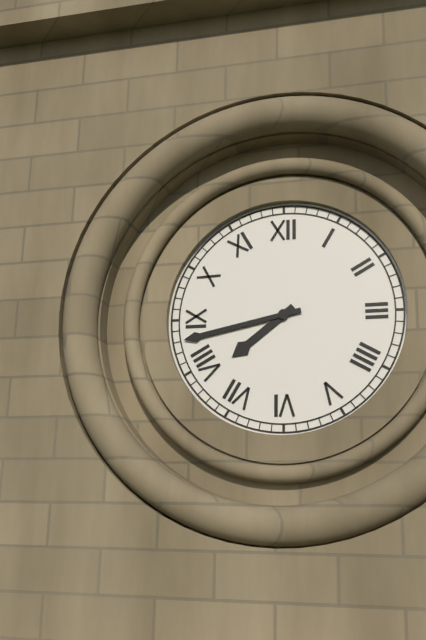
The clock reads {"hour": 7, "minute": 43}
